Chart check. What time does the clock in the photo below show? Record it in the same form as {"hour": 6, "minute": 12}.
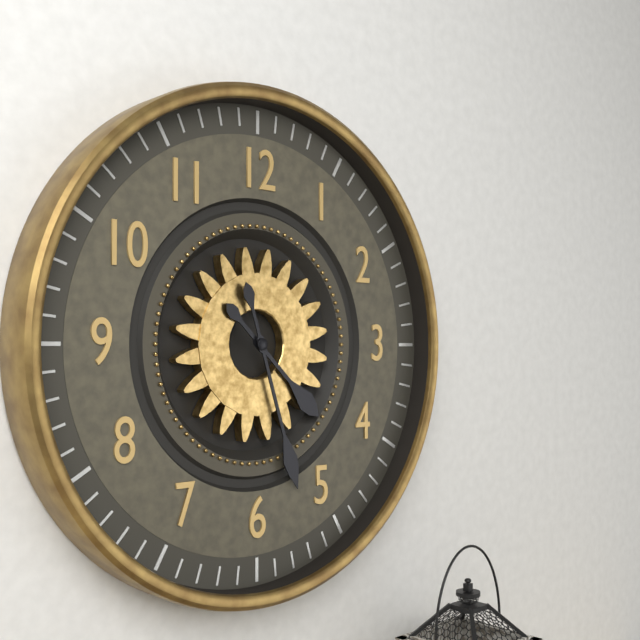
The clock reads {"hour": 4, "minute": 27}
